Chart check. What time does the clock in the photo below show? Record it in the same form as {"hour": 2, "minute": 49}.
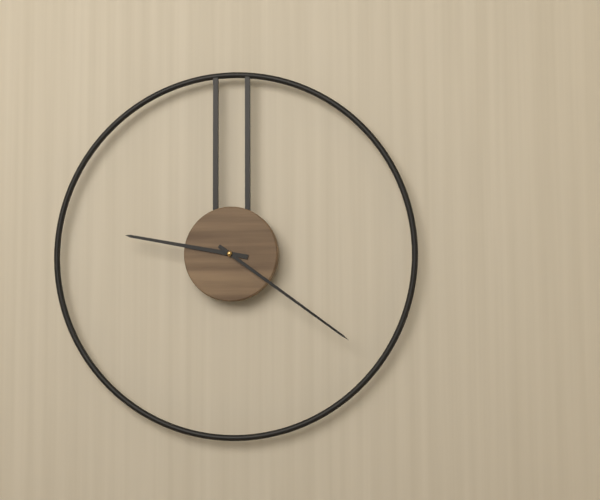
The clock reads {"hour": 9, "minute": 21}
